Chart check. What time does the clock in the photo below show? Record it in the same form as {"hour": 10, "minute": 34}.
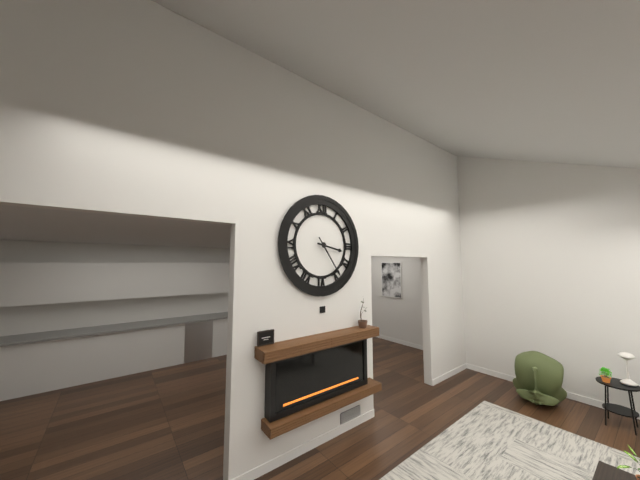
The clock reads {"hour": 3, "minute": 24}
